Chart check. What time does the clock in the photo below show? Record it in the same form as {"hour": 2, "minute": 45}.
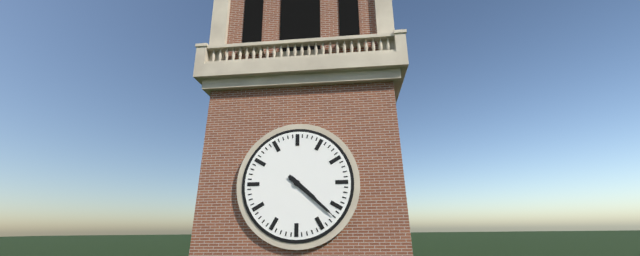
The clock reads {"hour": 4, "minute": 22}
